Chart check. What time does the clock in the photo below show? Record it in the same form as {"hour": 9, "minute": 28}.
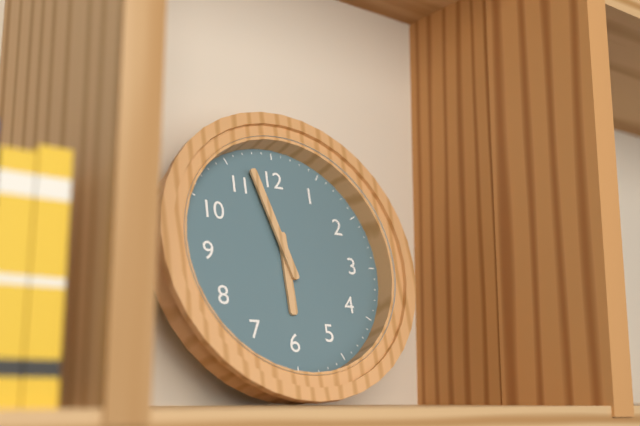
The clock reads {"hour": 5, "minute": 57}
